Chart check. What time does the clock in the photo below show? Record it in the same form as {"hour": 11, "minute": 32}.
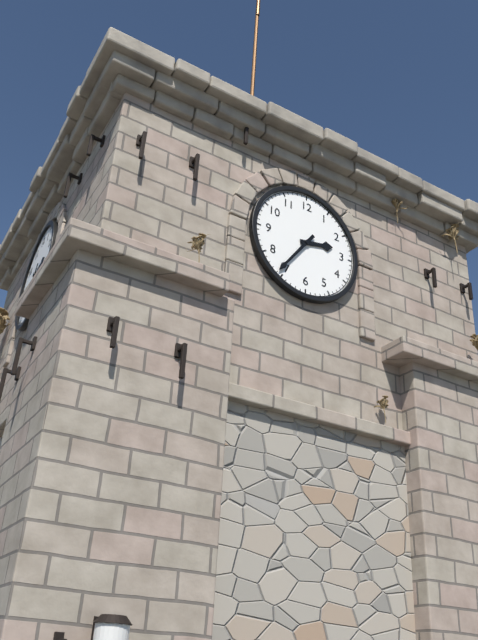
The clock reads {"hour": 2, "minute": 36}
